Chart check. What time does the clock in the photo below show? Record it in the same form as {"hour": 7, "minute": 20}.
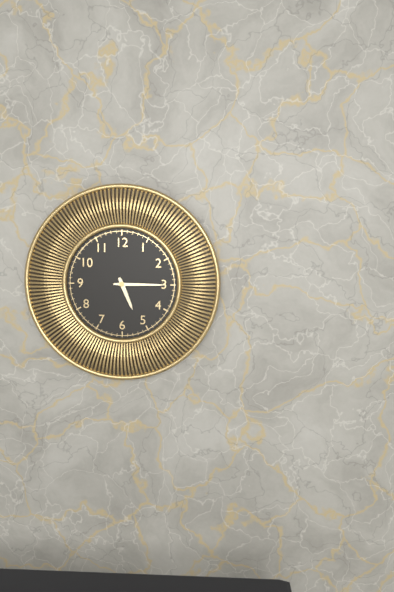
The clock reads {"hour": 5, "minute": 15}
